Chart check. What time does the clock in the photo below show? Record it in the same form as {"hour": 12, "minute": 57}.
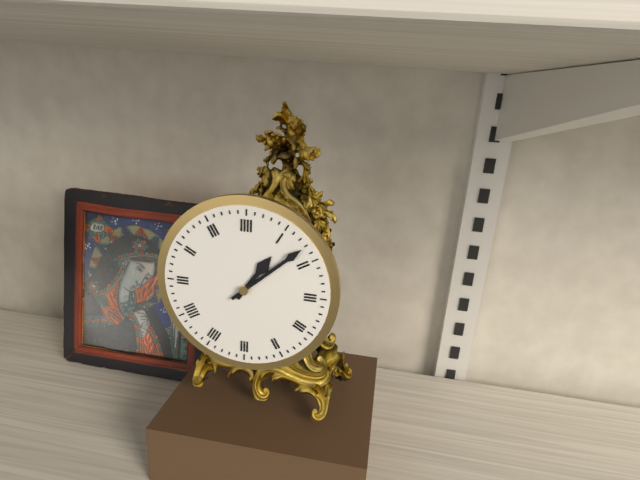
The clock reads {"hour": 1, "minute": 8}
